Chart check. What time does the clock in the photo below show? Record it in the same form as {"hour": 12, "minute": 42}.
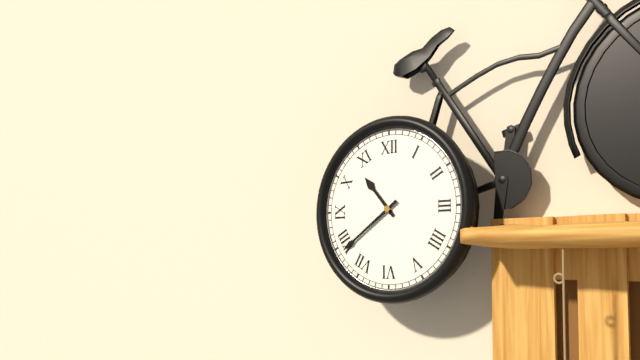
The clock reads {"hour": 10, "minute": 39}
